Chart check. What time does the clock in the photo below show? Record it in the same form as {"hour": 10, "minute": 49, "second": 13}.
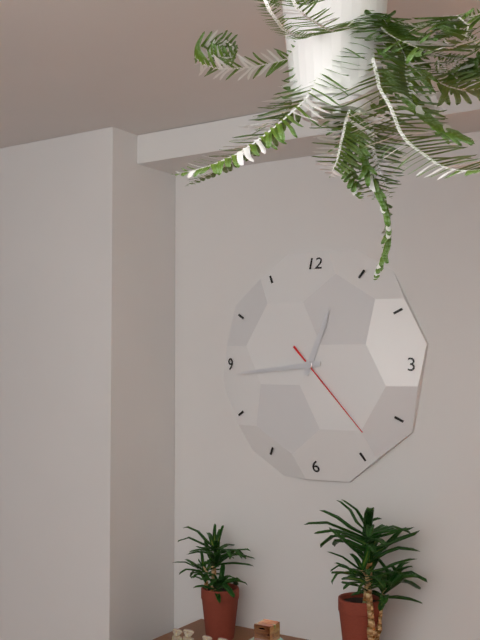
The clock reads {"hour": 12, "minute": 44, "second": 23}
